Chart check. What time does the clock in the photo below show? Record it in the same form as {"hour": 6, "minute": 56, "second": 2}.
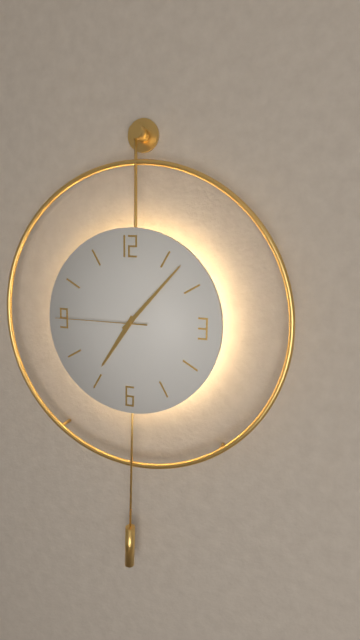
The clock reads {"hour": 7, "minute": 7, "second": 45}
